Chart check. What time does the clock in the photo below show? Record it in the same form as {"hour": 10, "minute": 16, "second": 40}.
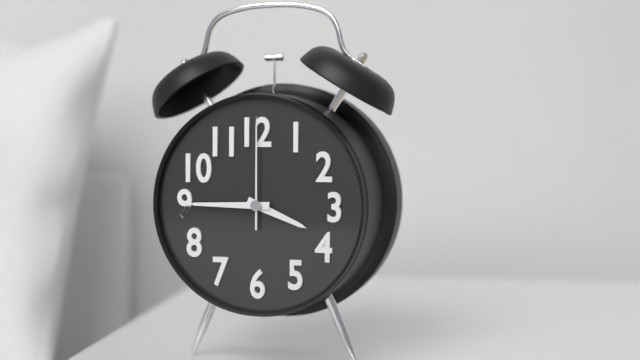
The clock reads {"hour": 3, "minute": 45, "second": 0}
